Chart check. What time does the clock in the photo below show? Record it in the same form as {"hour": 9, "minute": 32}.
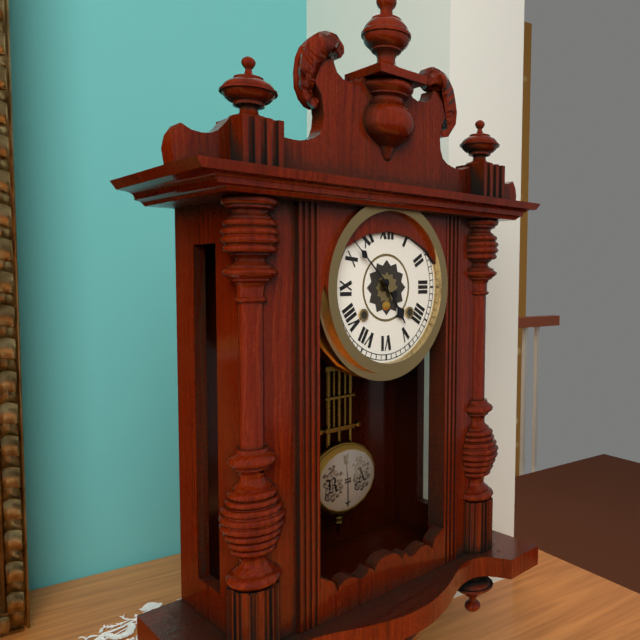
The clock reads {"hour": 4, "minute": 52}
